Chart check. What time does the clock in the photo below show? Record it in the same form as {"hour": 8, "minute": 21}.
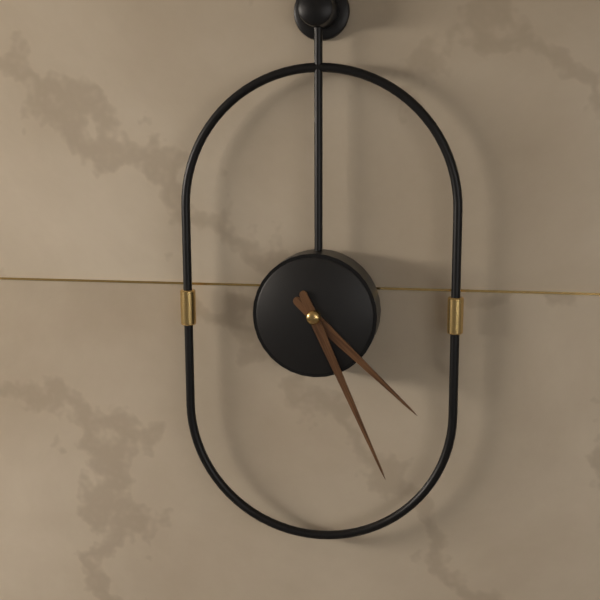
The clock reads {"hour": 4, "minute": 26}
